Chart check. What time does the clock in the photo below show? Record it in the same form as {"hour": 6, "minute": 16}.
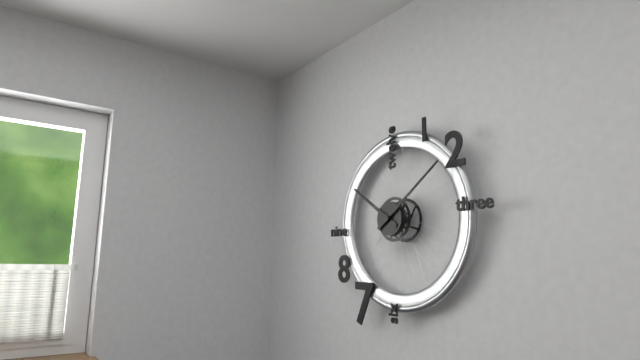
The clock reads {"hour": 10, "minute": 9}
